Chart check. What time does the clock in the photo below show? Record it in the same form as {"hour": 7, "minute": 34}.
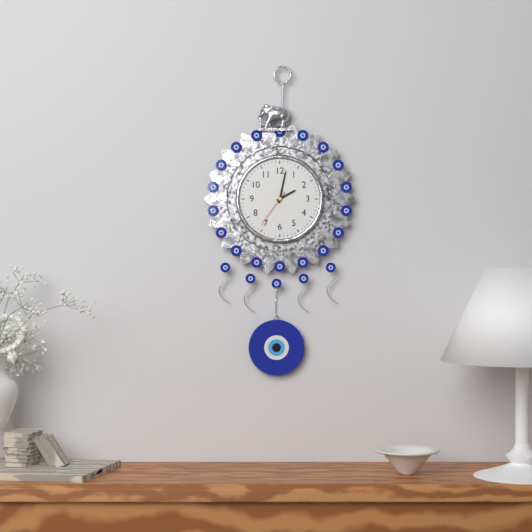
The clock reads {"hour": 2, "minute": 2}
